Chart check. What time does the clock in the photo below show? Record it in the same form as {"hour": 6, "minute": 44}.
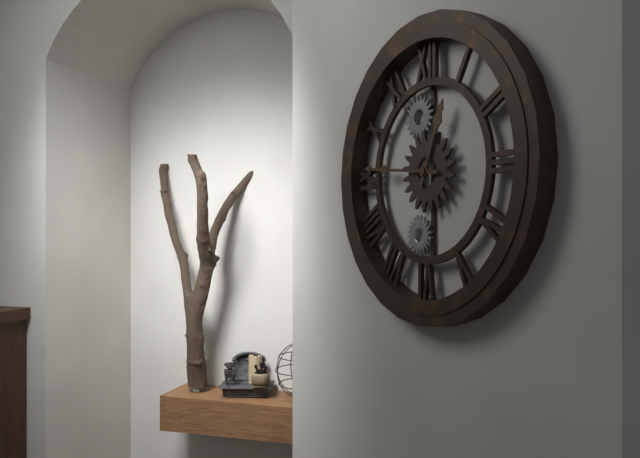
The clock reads {"hour": 12, "minute": 46}
